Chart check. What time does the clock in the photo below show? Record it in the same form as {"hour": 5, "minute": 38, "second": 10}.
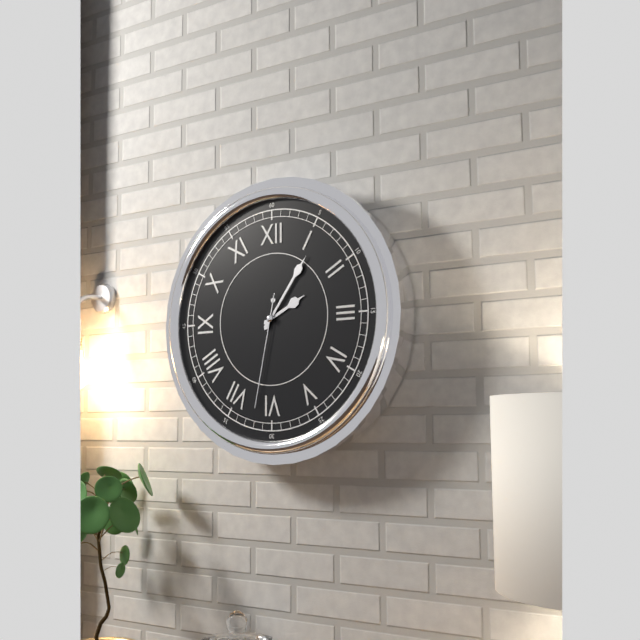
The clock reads {"hour": 2, "minute": 6, "second": 32}
